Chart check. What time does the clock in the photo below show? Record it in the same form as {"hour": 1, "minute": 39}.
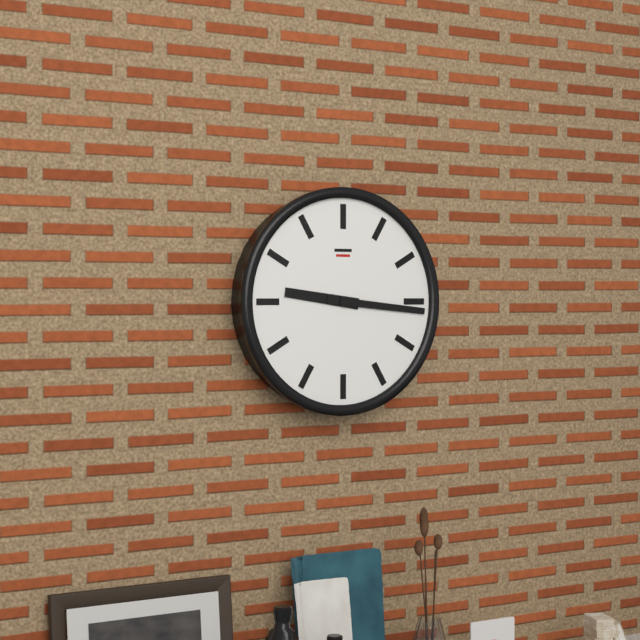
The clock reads {"hour": 9, "minute": 16}
